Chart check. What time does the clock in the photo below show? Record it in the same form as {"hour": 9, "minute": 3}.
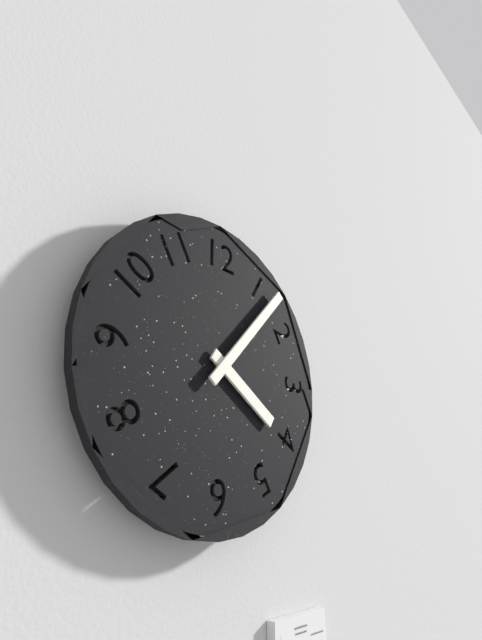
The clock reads {"hour": 4, "minute": 7}
